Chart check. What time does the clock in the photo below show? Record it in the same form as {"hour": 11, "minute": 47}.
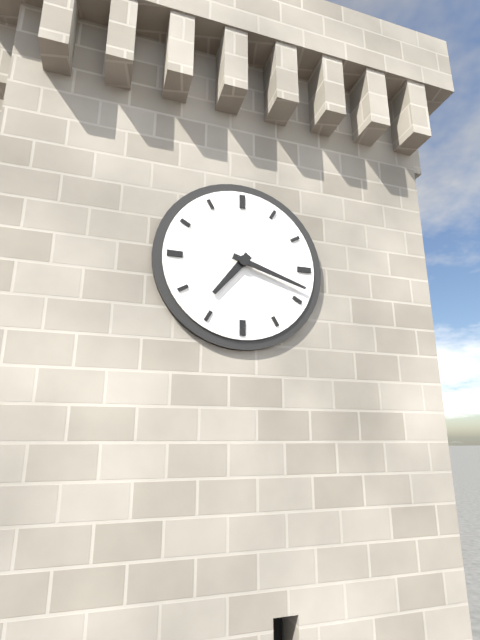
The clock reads {"hour": 7, "minute": 18}
